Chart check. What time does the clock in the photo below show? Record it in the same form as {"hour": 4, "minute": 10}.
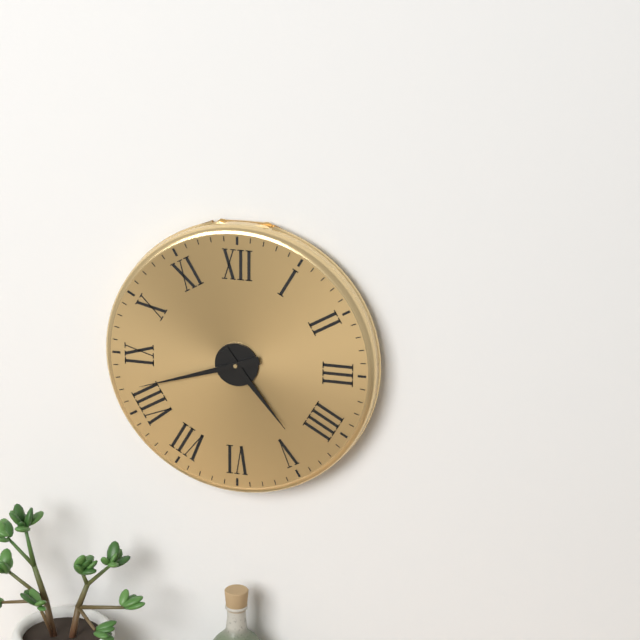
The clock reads {"hour": 4, "minute": 42}
